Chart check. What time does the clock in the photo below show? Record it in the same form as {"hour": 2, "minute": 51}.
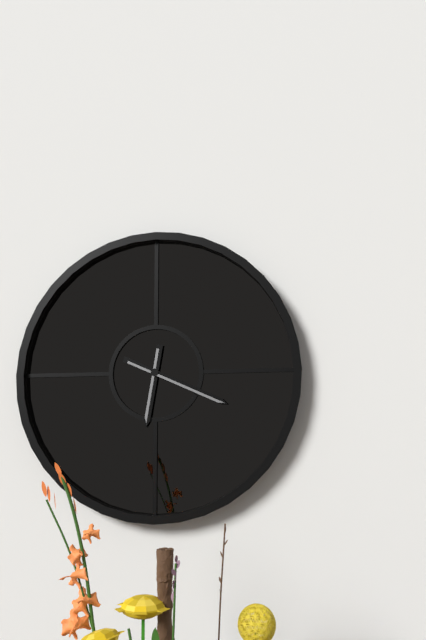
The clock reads {"hour": 6, "minute": 19}
